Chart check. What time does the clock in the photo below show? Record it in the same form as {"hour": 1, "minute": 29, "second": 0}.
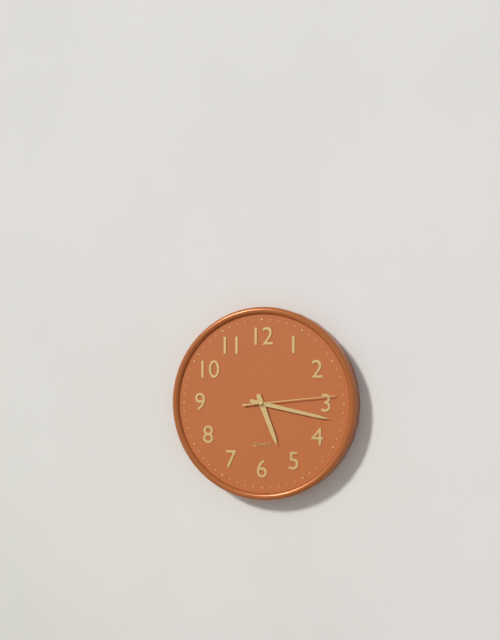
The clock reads {"hour": 5, "minute": 17, "second": 14}
